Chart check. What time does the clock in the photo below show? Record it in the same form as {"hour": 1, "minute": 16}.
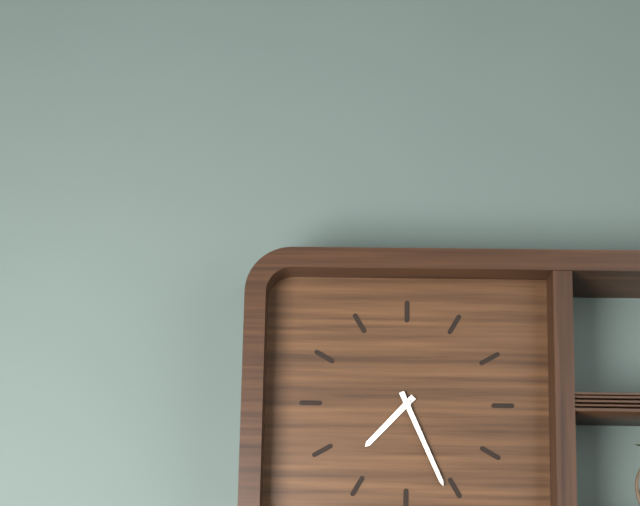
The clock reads {"hour": 7, "minute": 26}
